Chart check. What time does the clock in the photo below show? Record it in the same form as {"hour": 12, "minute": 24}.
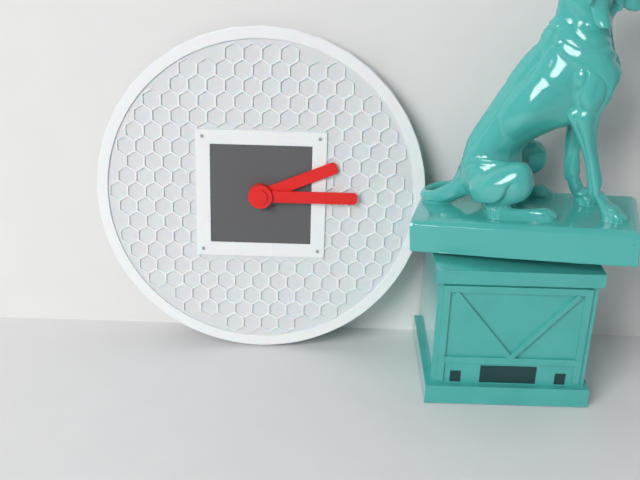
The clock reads {"hour": 2, "minute": 15}
